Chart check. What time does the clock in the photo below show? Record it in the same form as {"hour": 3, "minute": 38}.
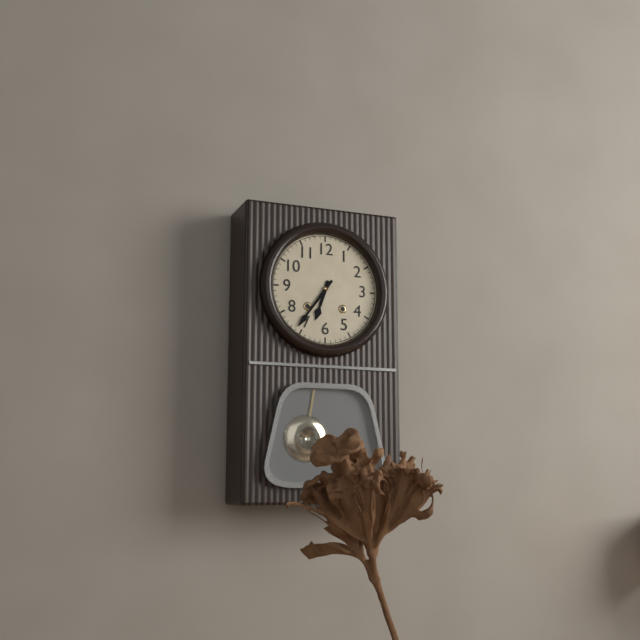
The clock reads {"hour": 6, "minute": 36}
